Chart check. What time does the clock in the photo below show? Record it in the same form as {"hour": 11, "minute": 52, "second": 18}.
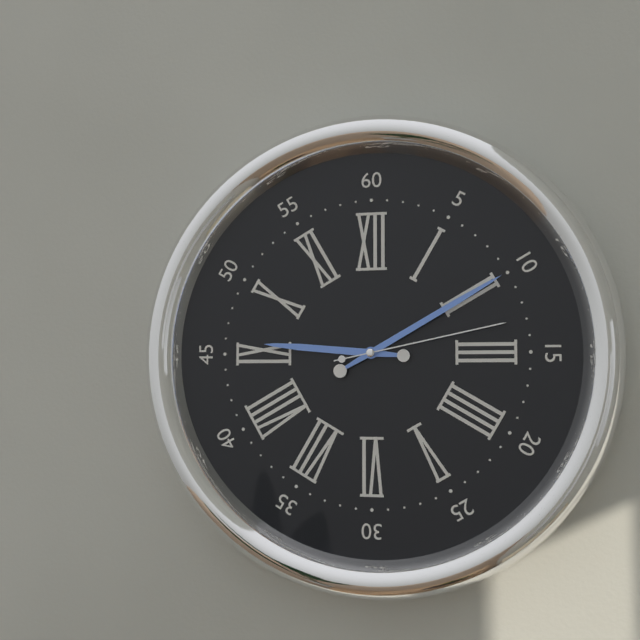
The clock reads {"hour": 9, "minute": 10, "second": 13}
